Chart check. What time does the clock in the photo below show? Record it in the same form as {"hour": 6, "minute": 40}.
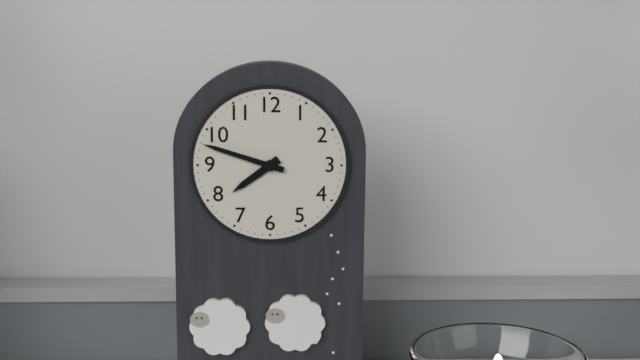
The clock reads {"hour": 7, "minute": 48}
